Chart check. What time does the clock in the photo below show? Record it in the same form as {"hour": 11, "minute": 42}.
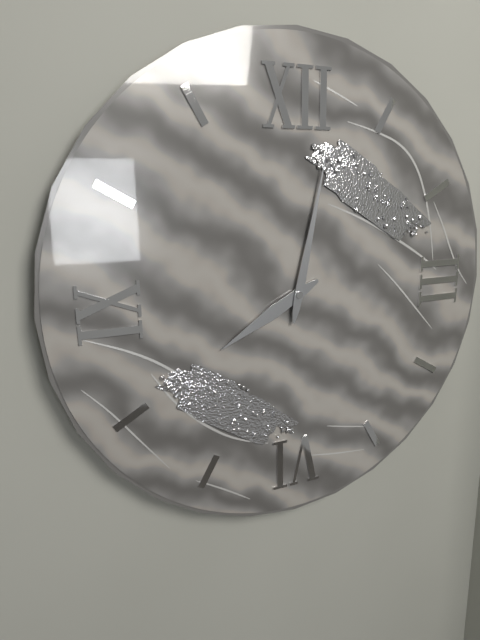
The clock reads {"hour": 8, "minute": 2}
